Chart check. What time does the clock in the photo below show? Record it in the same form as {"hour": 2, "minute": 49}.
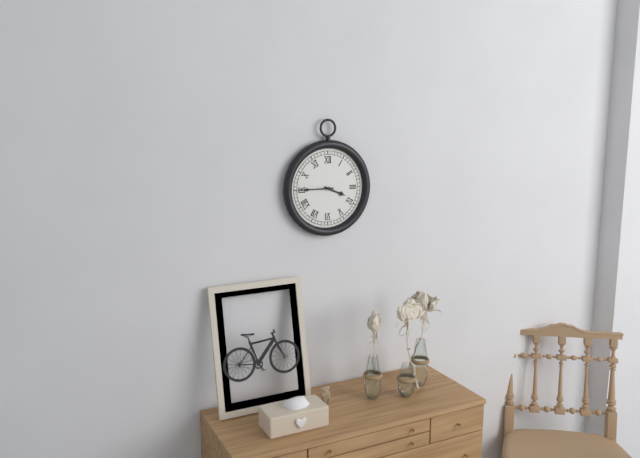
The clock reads {"hour": 3, "minute": 45}
